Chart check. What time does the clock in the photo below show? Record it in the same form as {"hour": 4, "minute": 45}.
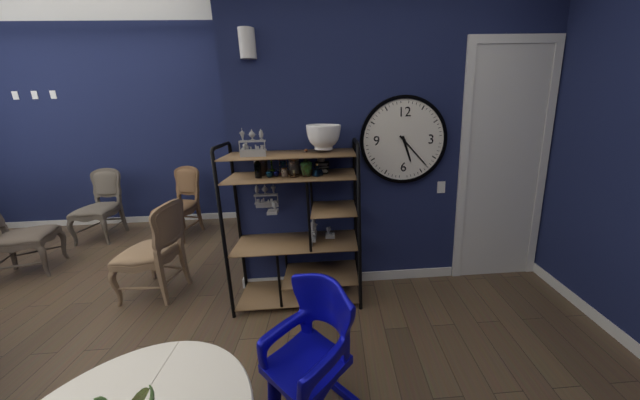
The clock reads {"hour": 5, "minute": 23}
